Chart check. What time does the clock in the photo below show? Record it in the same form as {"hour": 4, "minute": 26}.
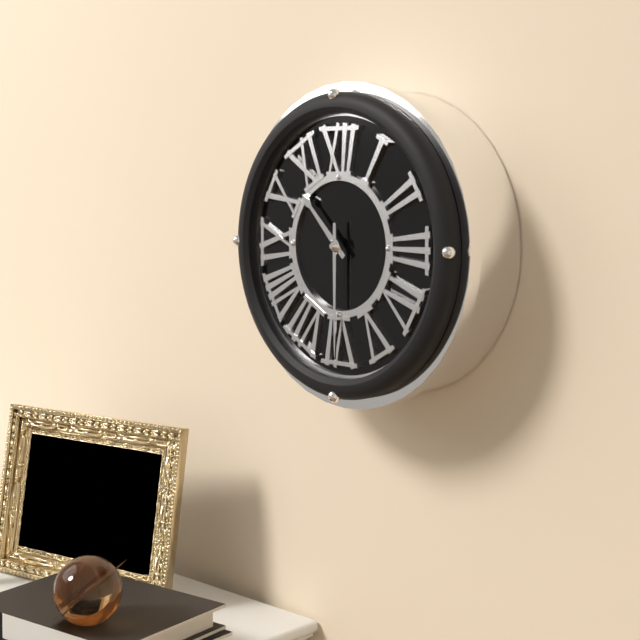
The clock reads {"hour": 10, "minute": 30}
